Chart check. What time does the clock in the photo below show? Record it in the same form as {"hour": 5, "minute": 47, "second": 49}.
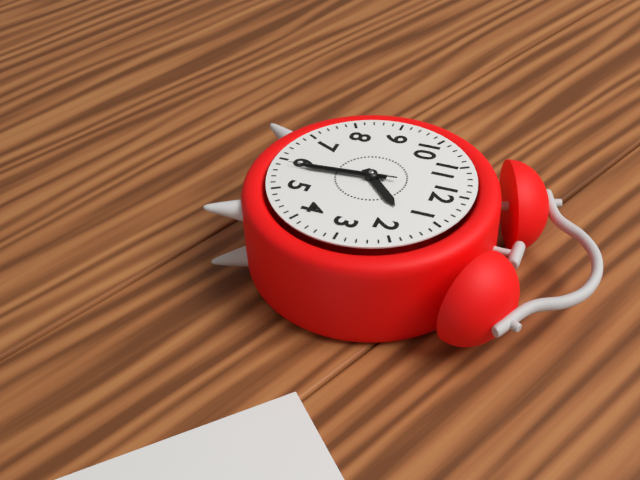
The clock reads {"hour": 1, "minute": 29, "second": 29}
